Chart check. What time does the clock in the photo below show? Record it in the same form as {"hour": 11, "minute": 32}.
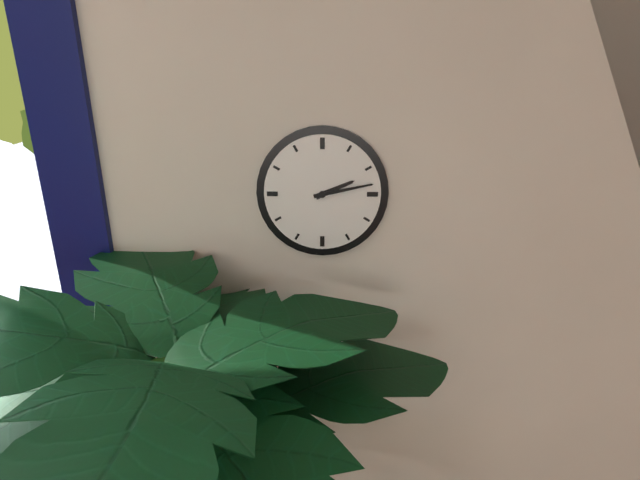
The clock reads {"hour": 2, "minute": 13}
